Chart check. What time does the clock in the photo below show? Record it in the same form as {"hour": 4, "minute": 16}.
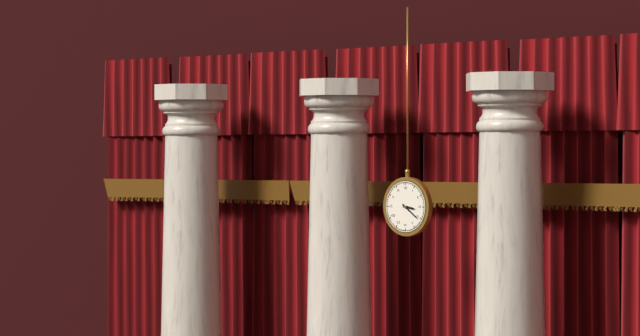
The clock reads {"hour": 3, "minute": 21}
